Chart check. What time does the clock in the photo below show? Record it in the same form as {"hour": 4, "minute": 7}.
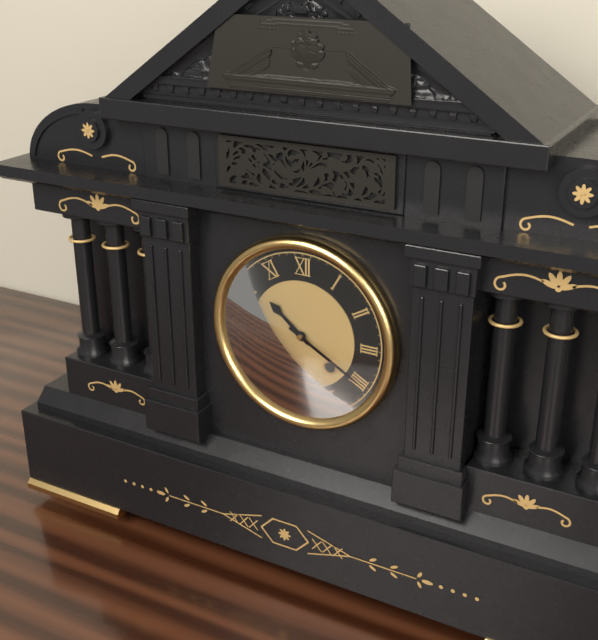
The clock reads {"hour": 10, "minute": 20}
